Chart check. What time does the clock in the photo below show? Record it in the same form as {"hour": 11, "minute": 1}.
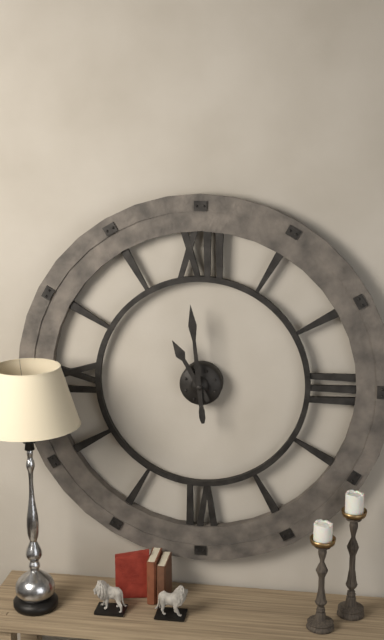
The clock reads {"hour": 10, "minute": 59}
